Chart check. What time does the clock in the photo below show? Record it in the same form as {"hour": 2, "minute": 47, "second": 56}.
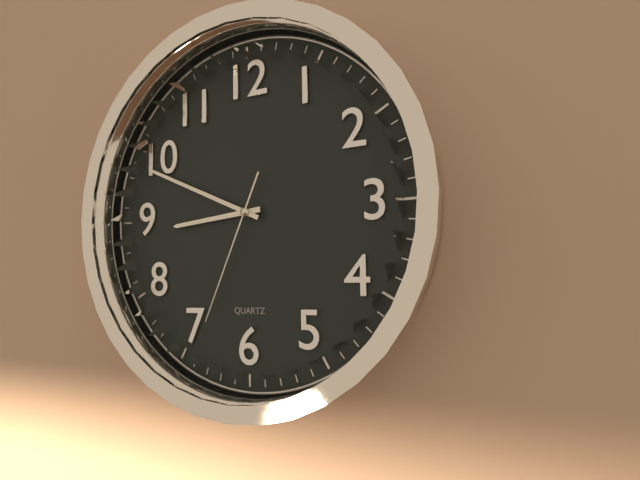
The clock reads {"hour": 8, "minute": 49, "second": 34}
